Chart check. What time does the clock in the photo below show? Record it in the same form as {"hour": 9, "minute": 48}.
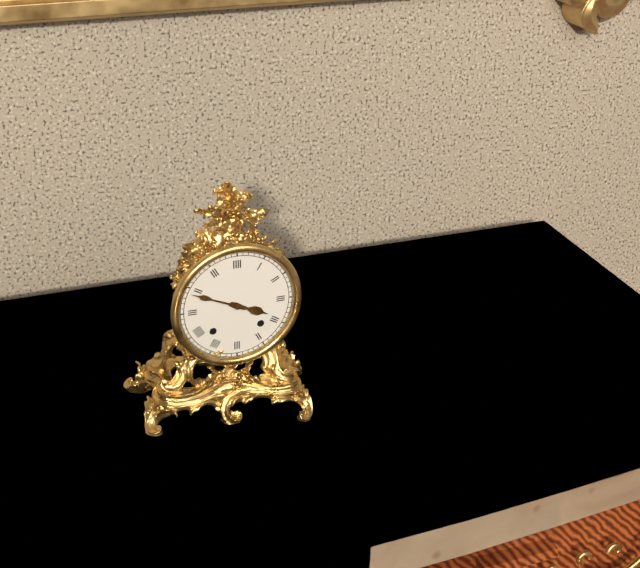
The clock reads {"hour": 3, "minute": 49}
